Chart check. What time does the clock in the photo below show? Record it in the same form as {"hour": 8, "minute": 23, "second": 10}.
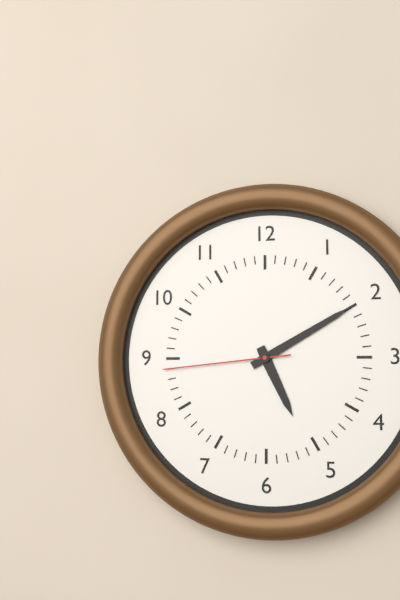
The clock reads {"hour": 5, "minute": 10, "second": 44}
